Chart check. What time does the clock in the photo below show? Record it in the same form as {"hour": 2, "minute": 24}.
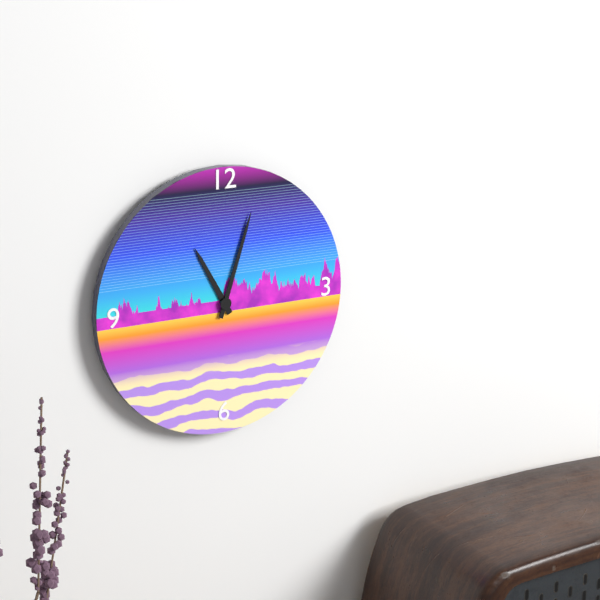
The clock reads {"hour": 11, "minute": 3}
